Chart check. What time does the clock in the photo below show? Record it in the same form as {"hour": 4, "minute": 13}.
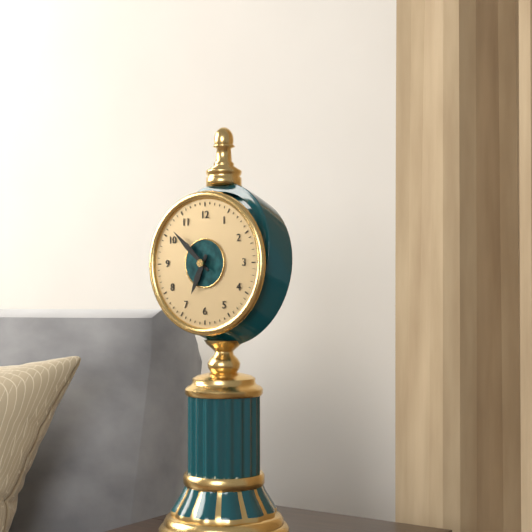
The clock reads {"hour": 6, "minute": 52}
